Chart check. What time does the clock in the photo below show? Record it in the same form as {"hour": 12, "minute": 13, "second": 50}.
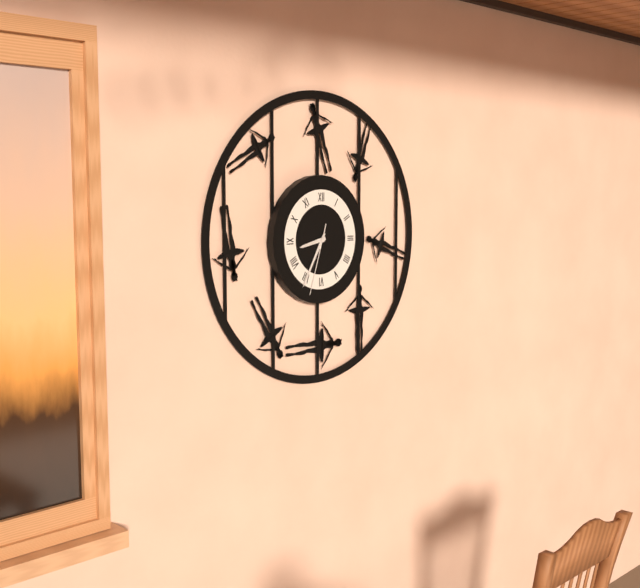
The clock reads {"hour": 8, "minute": 35, "second": 33}
